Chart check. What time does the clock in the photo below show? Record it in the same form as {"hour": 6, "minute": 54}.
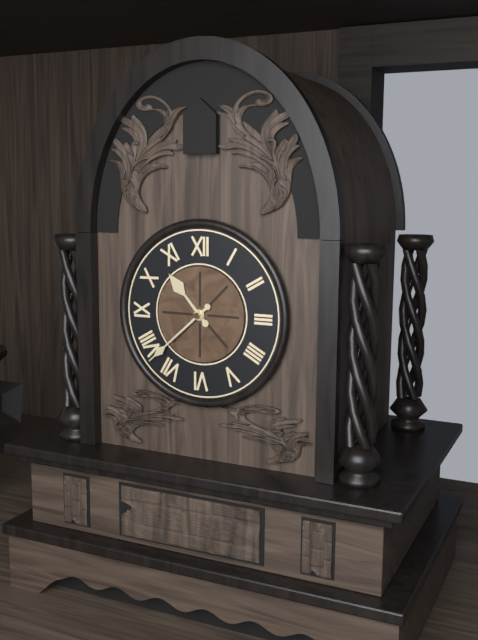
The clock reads {"hour": 10, "minute": 38}
